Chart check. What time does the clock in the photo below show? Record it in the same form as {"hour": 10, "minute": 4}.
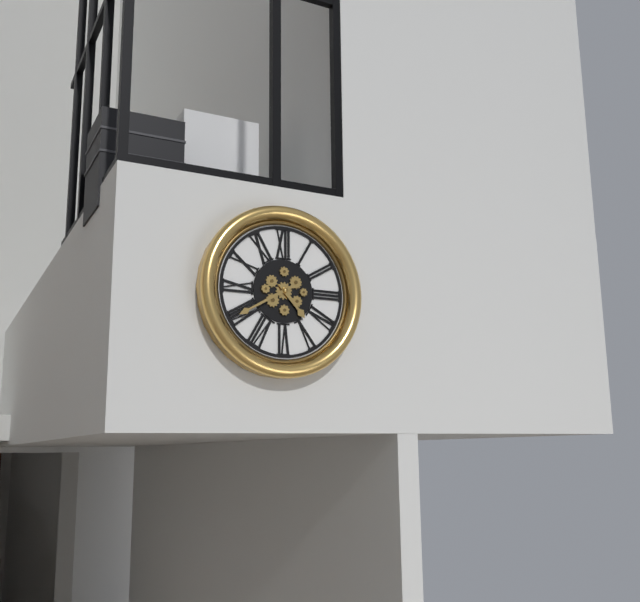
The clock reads {"hour": 4, "minute": 40}
